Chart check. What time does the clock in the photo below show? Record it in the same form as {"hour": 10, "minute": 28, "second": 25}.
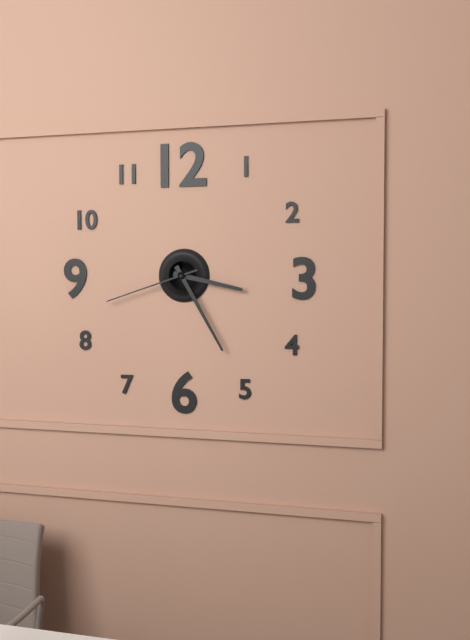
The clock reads {"hour": 3, "minute": 25, "second": 42}
